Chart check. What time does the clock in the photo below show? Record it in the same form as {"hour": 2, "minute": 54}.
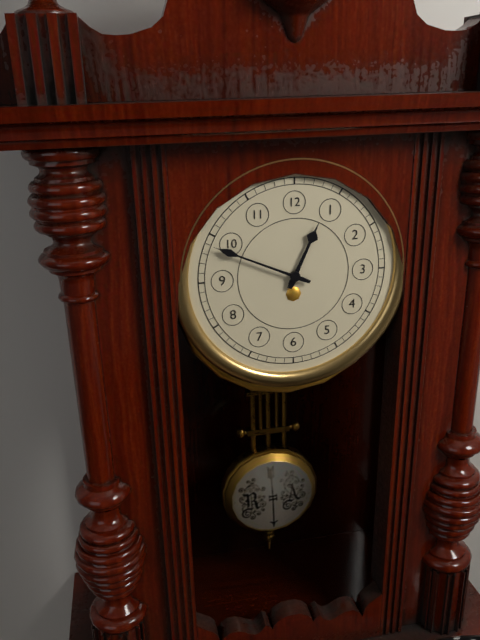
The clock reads {"hour": 12, "minute": 49}
